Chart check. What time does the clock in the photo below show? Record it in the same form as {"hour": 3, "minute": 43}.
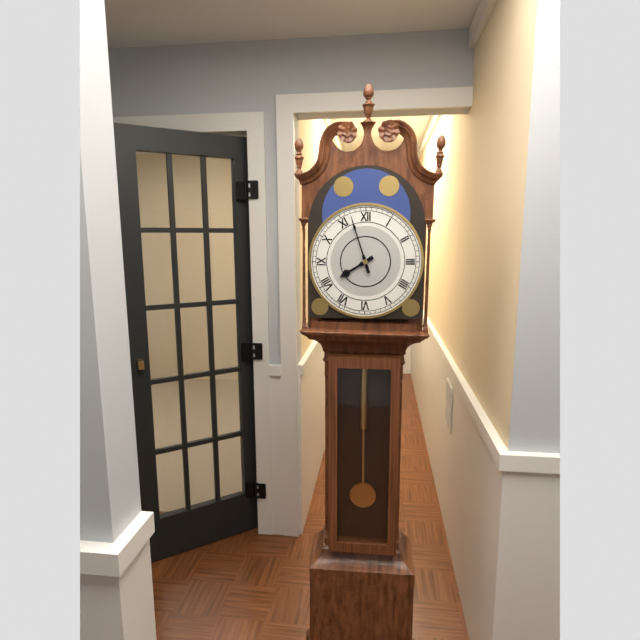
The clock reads {"hour": 7, "minute": 57}
